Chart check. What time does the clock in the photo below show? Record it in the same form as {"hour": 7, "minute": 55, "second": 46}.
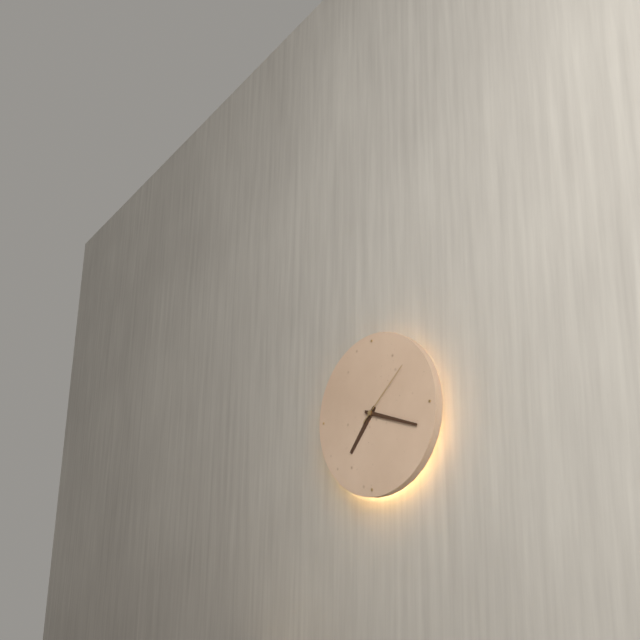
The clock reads {"hour": 7, "minute": 18, "second": 8}
